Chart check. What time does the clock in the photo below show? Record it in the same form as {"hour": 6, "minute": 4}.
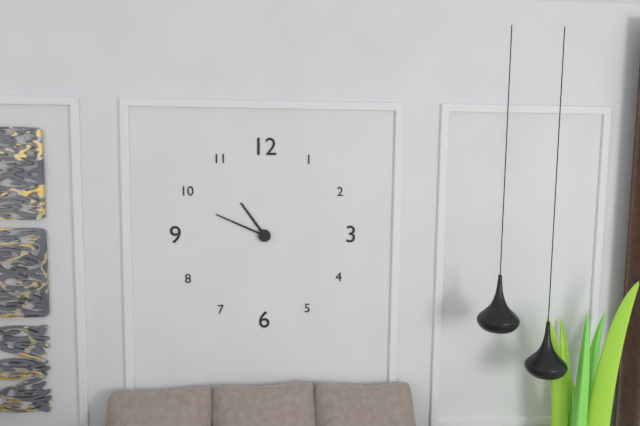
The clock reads {"hour": 10, "minute": 49}
